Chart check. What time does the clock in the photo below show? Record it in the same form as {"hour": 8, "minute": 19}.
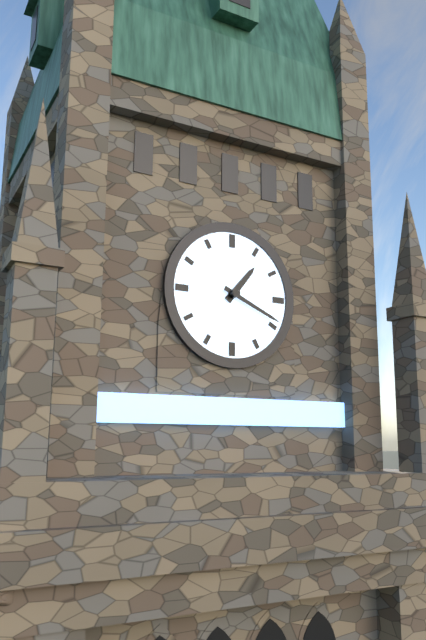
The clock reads {"hour": 1, "minute": 19}
